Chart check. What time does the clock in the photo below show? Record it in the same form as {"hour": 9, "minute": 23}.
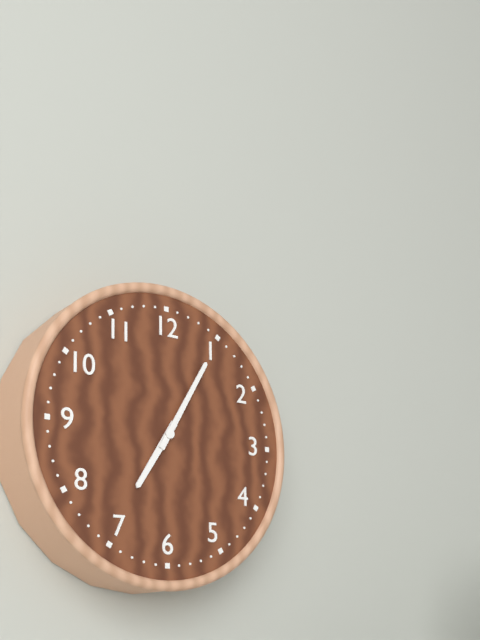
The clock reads {"hour": 7, "minute": 5}
